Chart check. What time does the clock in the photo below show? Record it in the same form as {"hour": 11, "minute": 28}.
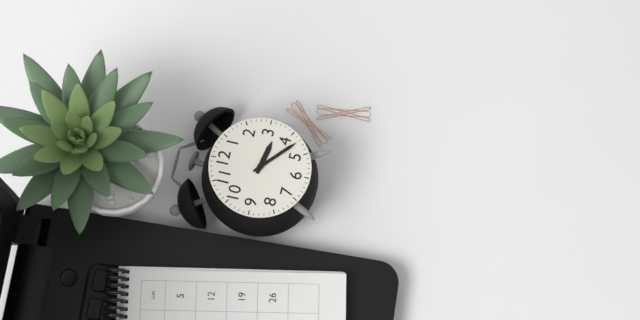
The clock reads {"hour": 3, "minute": 22}
